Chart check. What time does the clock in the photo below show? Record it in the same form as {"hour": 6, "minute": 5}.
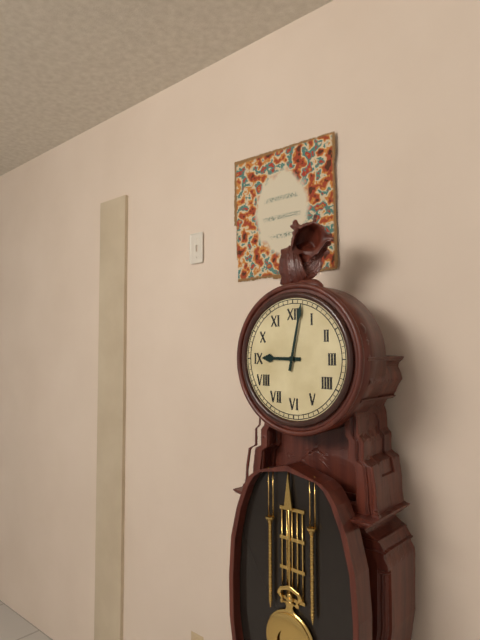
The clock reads {"hour": 9, "minute": 2}
